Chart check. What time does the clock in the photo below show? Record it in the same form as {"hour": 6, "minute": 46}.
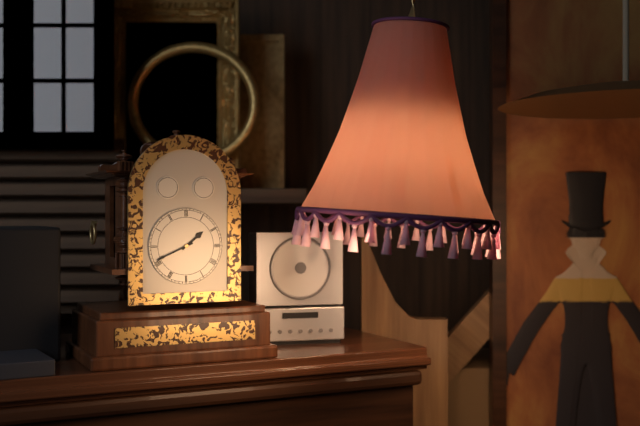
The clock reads {"hour": 1, "minute": 41}
